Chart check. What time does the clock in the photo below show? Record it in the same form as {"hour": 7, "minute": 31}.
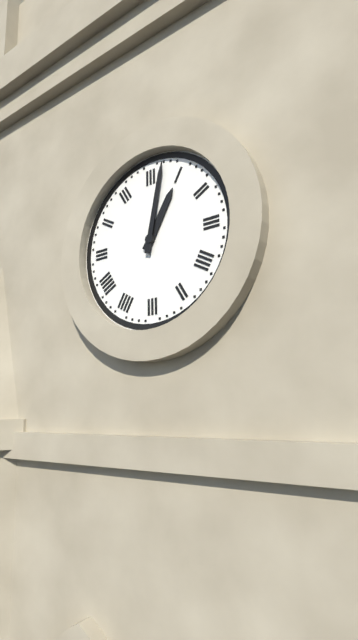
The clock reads {"hour": 1, "minute": 2}
